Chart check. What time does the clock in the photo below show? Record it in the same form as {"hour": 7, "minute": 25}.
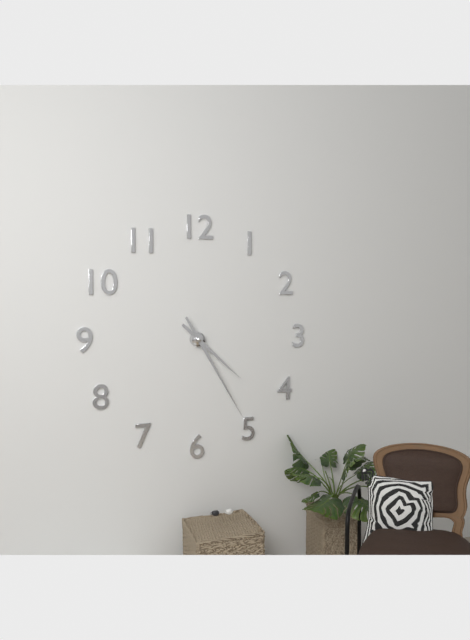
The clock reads {"hour": 4, "minute": 25}
